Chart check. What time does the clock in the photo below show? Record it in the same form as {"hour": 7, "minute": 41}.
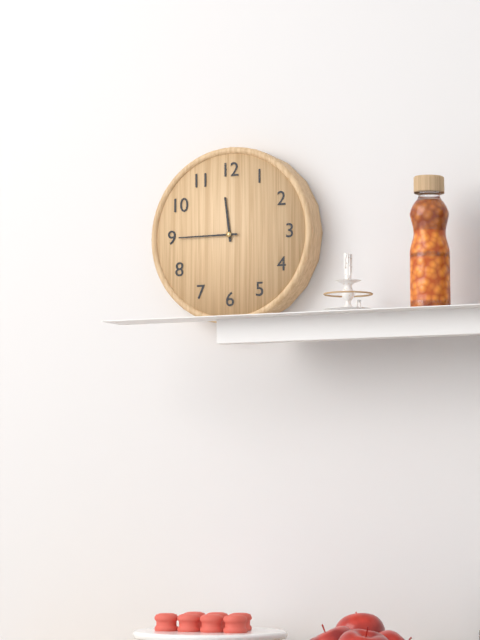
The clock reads {"hour": 11, "minute": 45}
